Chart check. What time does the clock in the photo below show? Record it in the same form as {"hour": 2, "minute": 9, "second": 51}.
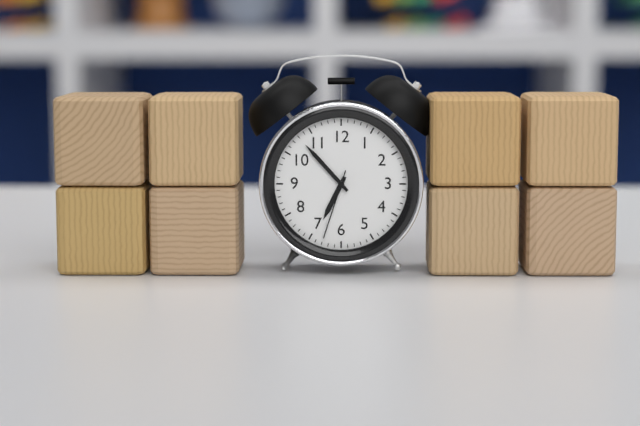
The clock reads {"hour": 6, "minute": 53, "second": 33}
